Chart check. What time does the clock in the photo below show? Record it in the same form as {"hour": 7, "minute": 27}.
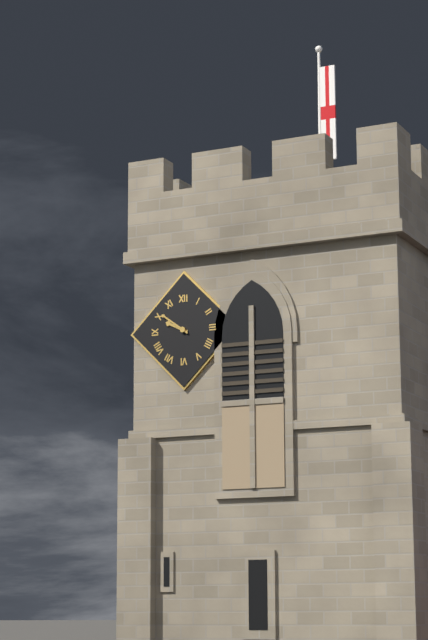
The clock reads {"hour": 9, "minute": 51}
